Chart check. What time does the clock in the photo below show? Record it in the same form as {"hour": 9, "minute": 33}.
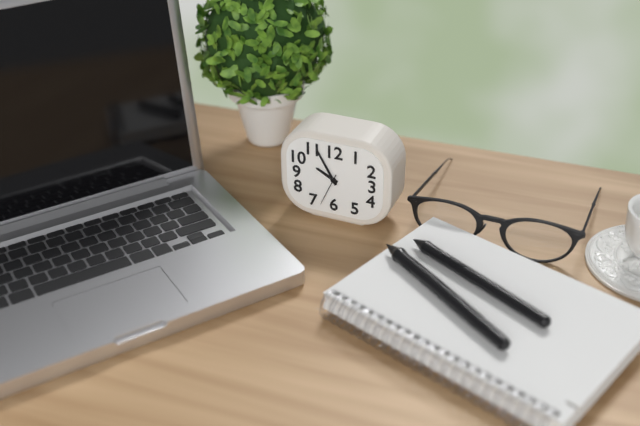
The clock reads {"hour": 9, "minute": 55}
